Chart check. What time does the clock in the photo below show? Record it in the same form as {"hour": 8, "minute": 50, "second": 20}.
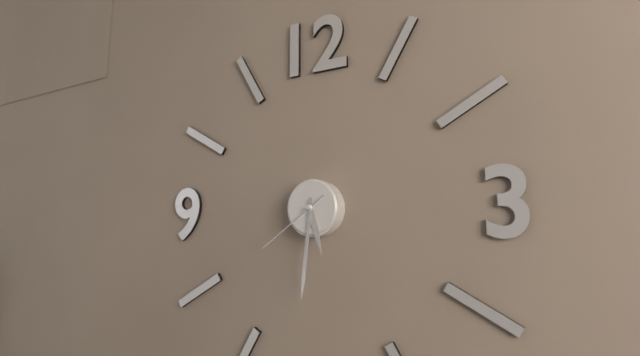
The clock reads {"hour": 5, "minute": 31, "second": 39}
